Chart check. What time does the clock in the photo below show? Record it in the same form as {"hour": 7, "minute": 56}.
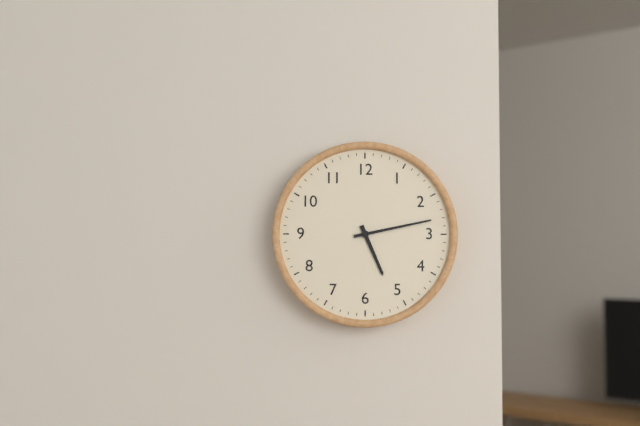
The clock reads {"hour": 5, "minute": 13}
